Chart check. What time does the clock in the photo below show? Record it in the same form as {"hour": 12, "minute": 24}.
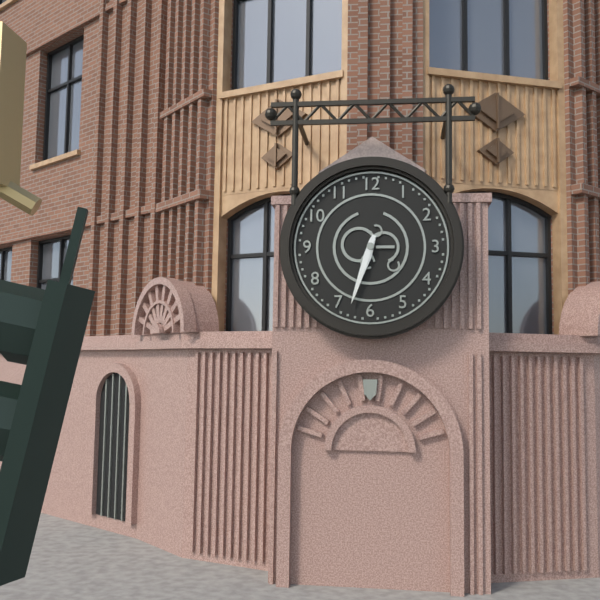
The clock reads {"hour": 6, "minute": 33}
